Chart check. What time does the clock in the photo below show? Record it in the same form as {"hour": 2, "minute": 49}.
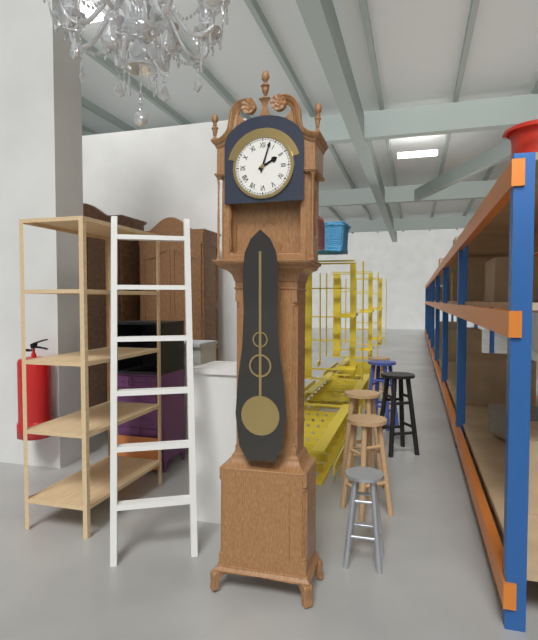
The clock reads {"hour": 2, "minute": 3}
